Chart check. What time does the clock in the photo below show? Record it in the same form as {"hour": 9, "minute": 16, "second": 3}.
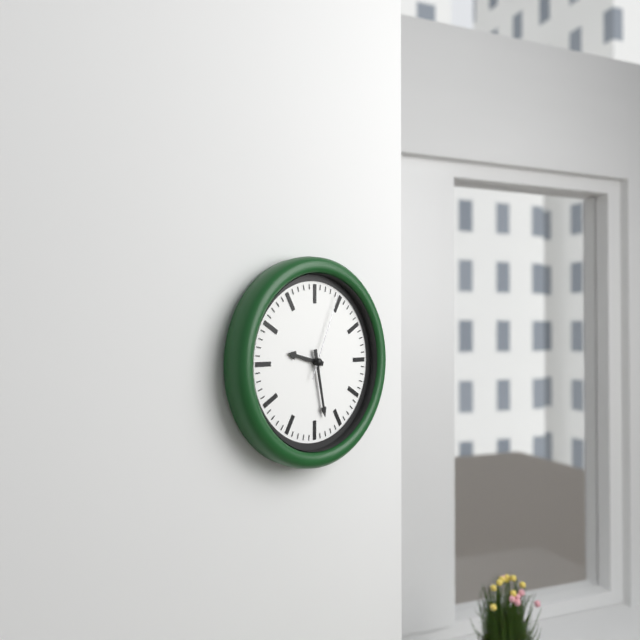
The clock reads {"hour": 9, "minute": 28, "second": 4}
